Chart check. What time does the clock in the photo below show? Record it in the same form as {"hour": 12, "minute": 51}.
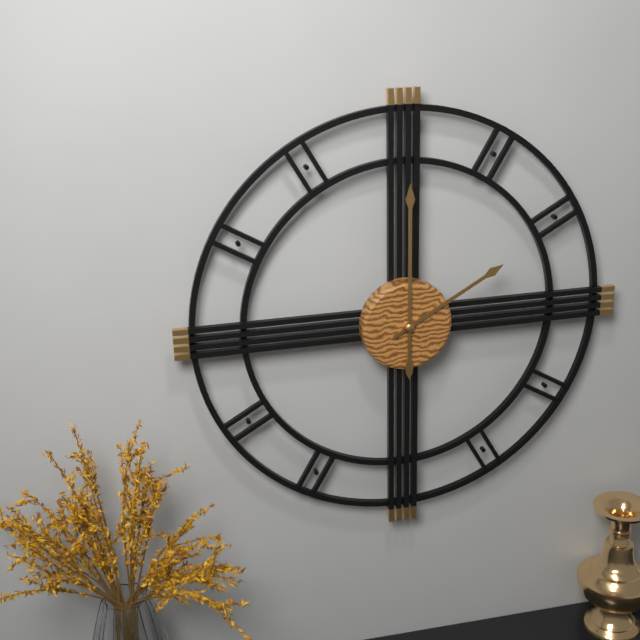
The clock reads {"hour": 2, "minute": 0}
